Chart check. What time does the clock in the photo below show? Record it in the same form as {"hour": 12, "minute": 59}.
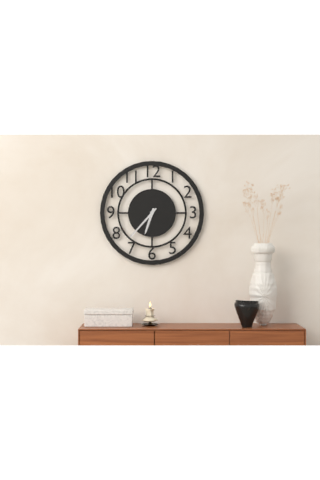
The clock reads {"hour": 6, "minute": 37}
